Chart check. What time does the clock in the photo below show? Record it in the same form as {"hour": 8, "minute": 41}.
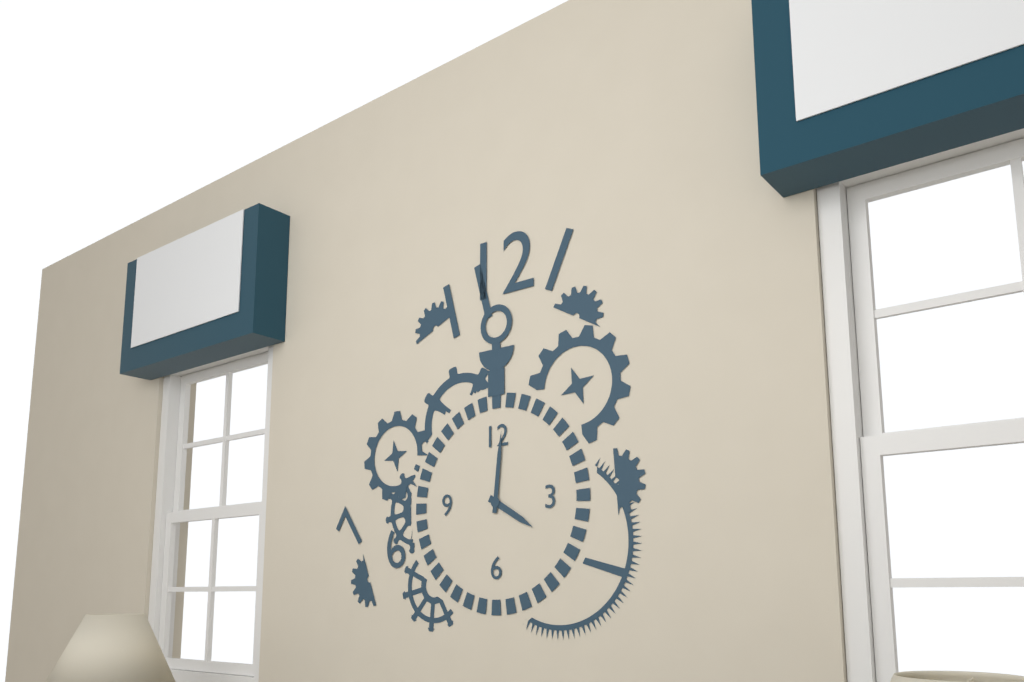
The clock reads {"hour": 4, "minute": 1}
